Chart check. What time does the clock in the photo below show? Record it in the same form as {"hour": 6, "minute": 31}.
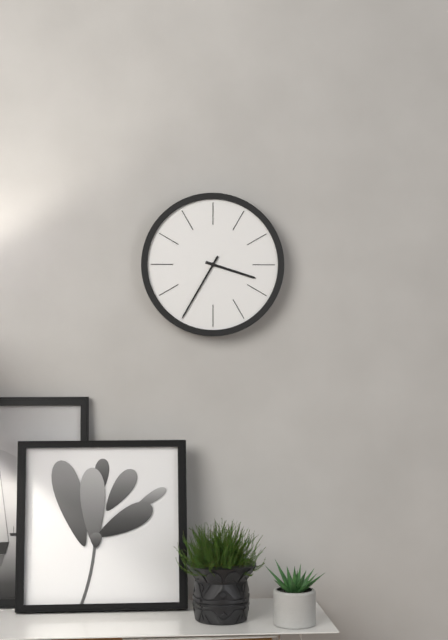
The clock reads {"hour": 3, "minute": 35}
